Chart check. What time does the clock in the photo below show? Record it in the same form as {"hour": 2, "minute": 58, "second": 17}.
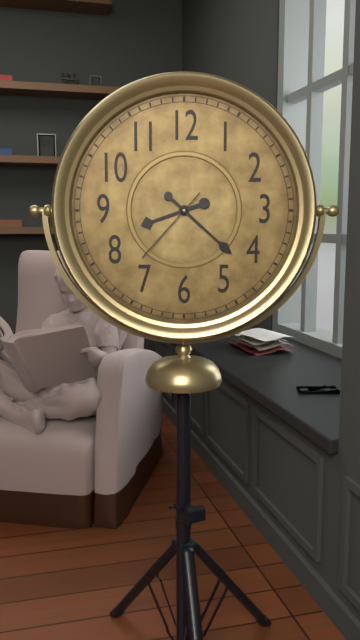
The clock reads {"hour": 8, "minute": 22, "second": 37}
